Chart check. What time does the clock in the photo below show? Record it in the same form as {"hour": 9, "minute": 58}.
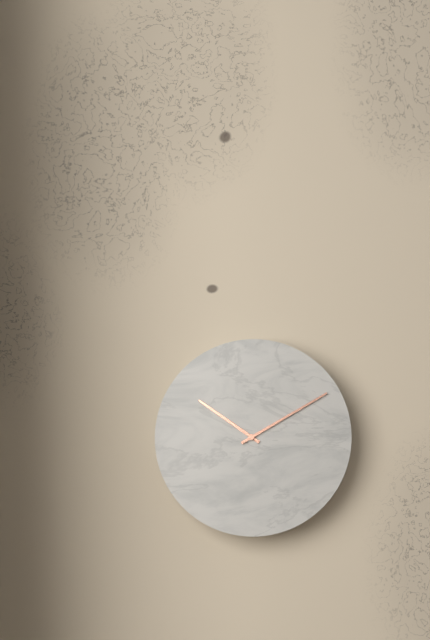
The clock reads {"hour": 10, "minute": 10}
